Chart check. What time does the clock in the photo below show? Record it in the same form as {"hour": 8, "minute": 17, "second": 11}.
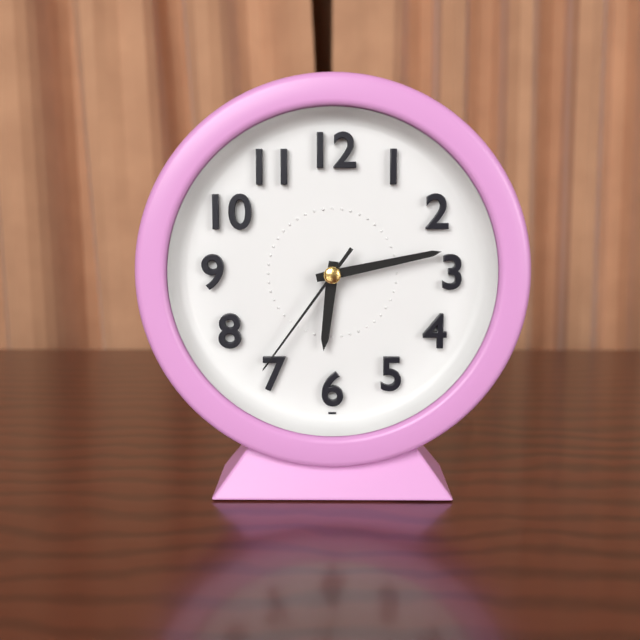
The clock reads {"hour": 6, "minute": 13, "second": 36}
